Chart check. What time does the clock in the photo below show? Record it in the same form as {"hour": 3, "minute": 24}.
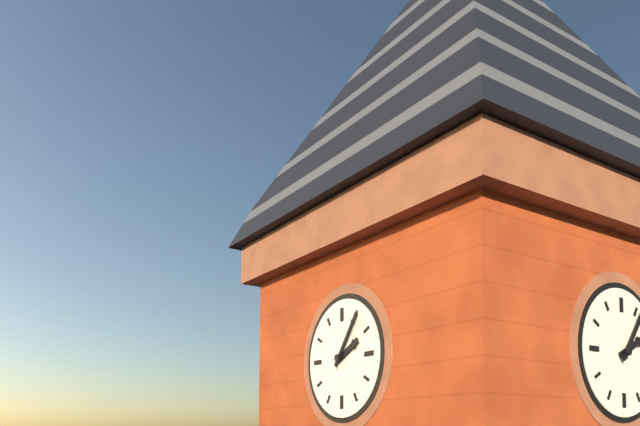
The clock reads {"hour": 2, "minute": 6}
